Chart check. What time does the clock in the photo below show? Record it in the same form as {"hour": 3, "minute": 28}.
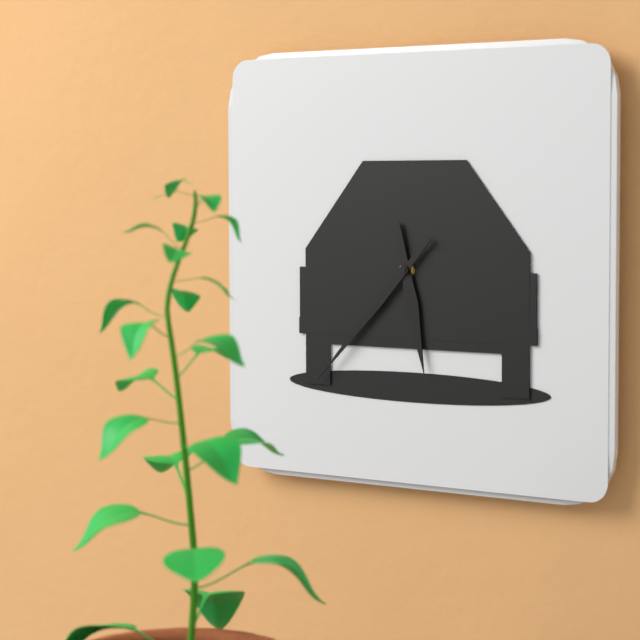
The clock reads {"hour": 5, "minute": 37}
